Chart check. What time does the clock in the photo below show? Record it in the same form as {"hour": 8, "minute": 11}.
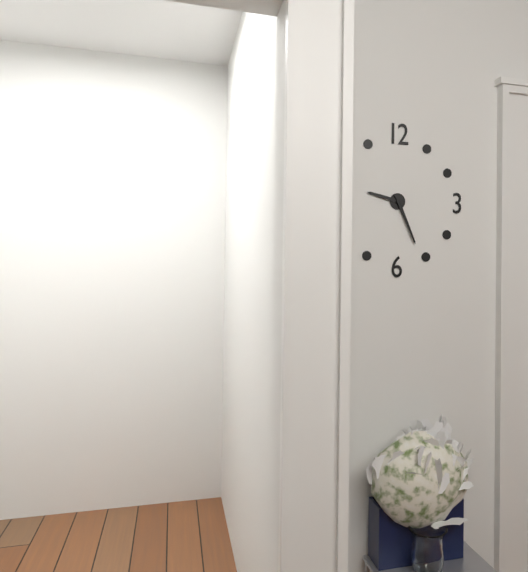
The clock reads {"hour": 9, "minute": 26}
